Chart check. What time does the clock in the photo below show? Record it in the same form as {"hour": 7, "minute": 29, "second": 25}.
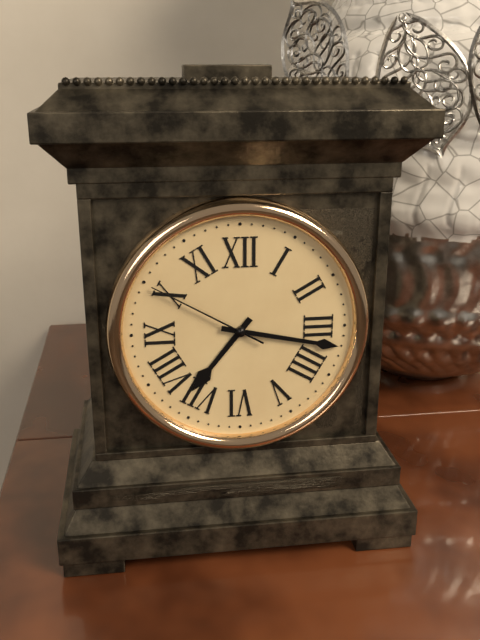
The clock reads {"hour": 7, "minute": 17, "second": 50}
